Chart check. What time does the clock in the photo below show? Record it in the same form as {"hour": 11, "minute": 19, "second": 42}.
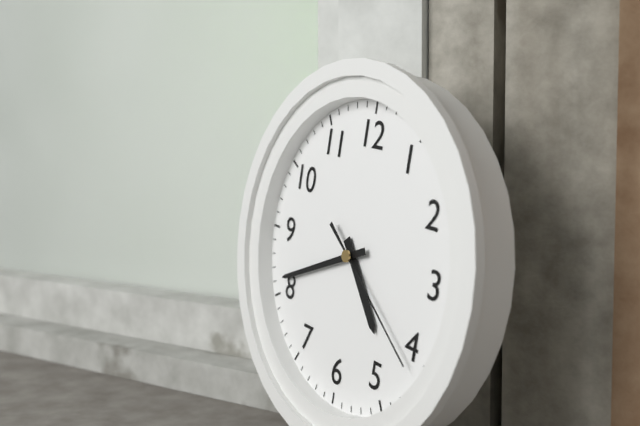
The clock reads {"hour": 4, "minute": 41, "second": 21}
